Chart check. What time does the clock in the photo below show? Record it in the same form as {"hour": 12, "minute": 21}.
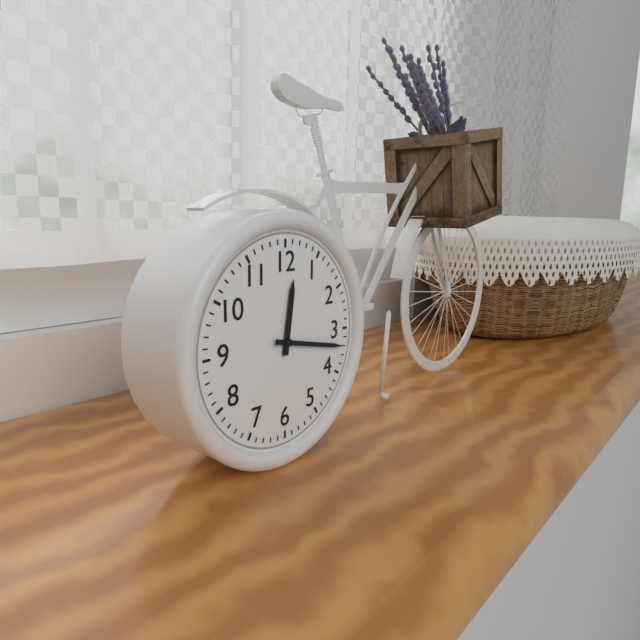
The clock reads {"hour": 12, "minute": 17}
